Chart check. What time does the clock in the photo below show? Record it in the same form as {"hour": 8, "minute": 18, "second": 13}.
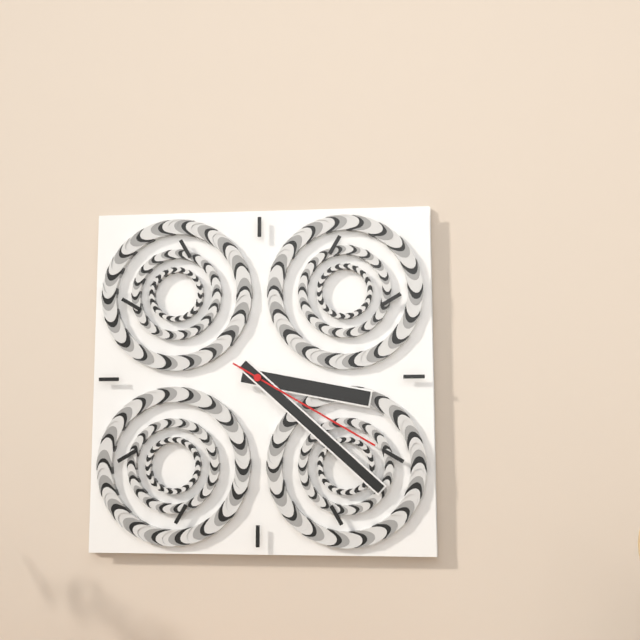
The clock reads {"hour": 3, "minute": 22, "second": 20}
